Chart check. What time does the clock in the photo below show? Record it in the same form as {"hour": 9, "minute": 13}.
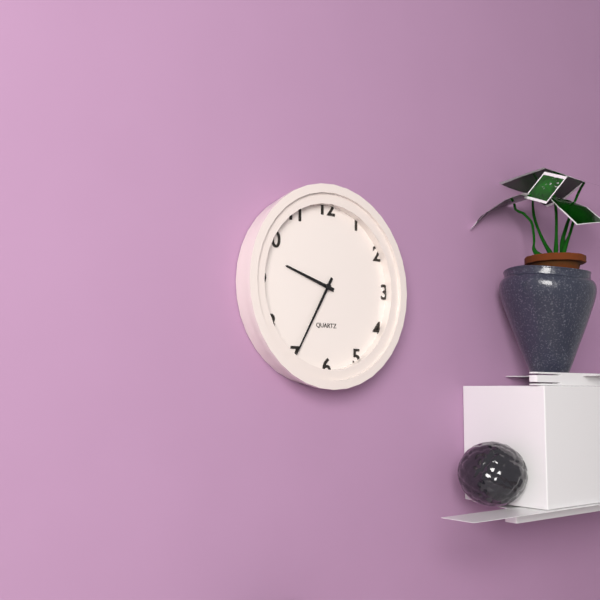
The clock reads {"hour": 9, "minute": 35}
